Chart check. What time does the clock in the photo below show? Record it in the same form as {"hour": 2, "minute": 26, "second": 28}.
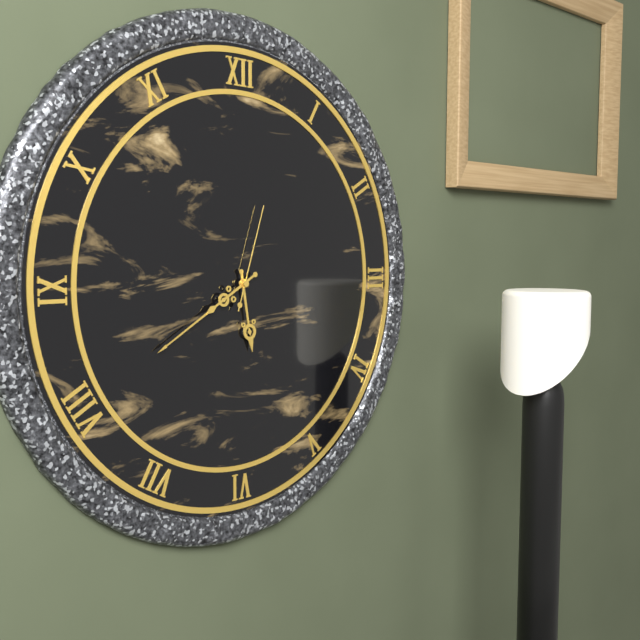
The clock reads {"hour": 5, "minute": 40, "second": 3}
